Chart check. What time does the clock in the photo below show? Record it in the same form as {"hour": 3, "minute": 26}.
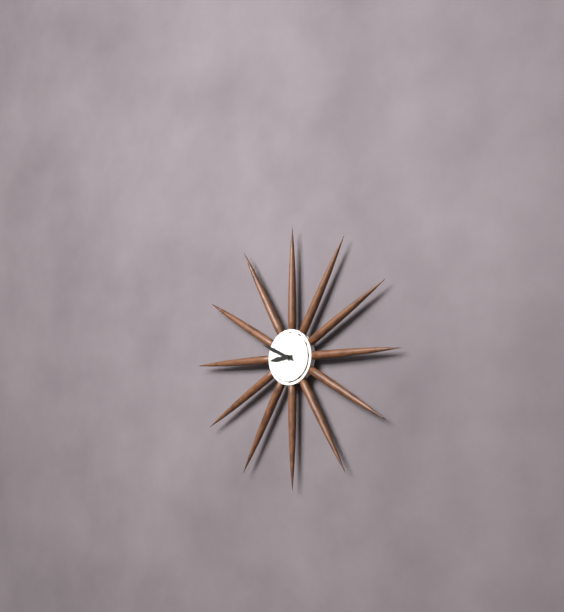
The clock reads {"hour": 8, "minute": 49}
